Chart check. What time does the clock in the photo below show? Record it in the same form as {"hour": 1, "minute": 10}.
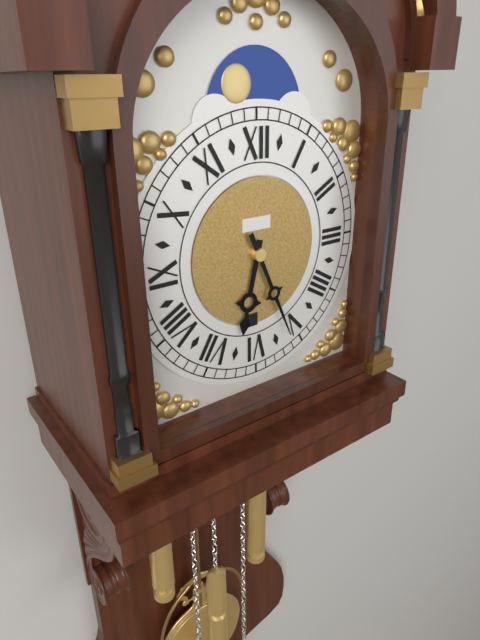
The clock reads {"hour": 6, "minute": 26}
